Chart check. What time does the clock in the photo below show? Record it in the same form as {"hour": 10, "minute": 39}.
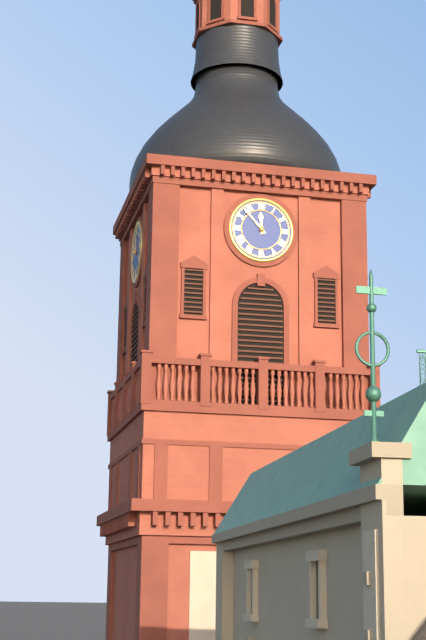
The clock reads {"hour": 11, "minute": 53}
